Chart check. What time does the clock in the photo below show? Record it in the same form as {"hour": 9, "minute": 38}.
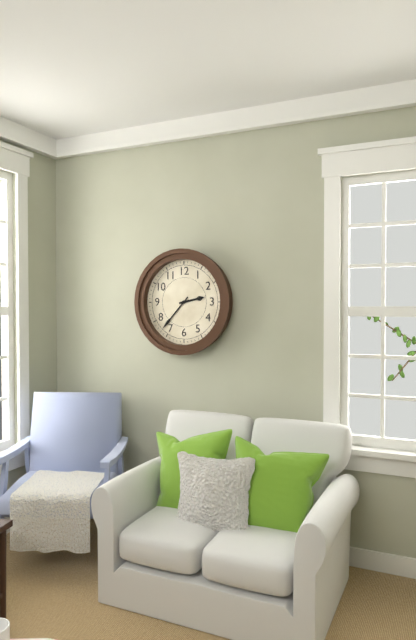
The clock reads {"hour": 2, "minute": 37}
